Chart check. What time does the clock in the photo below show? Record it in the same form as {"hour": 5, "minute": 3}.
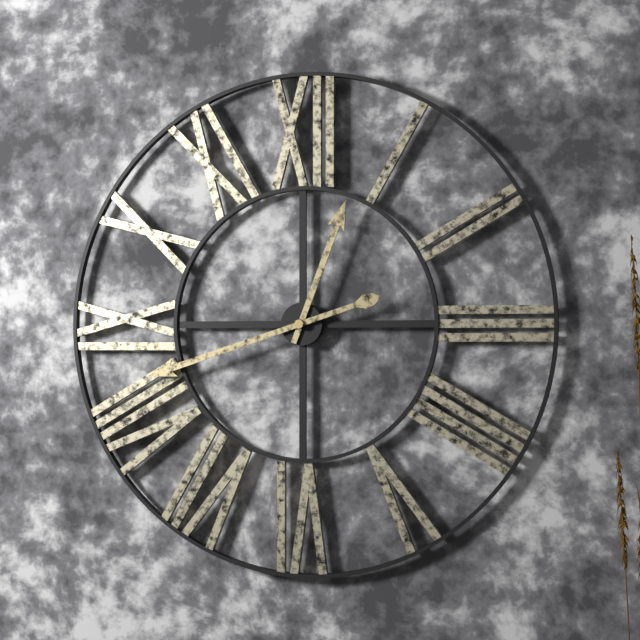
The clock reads {"hour": 12, "minute": 42}
